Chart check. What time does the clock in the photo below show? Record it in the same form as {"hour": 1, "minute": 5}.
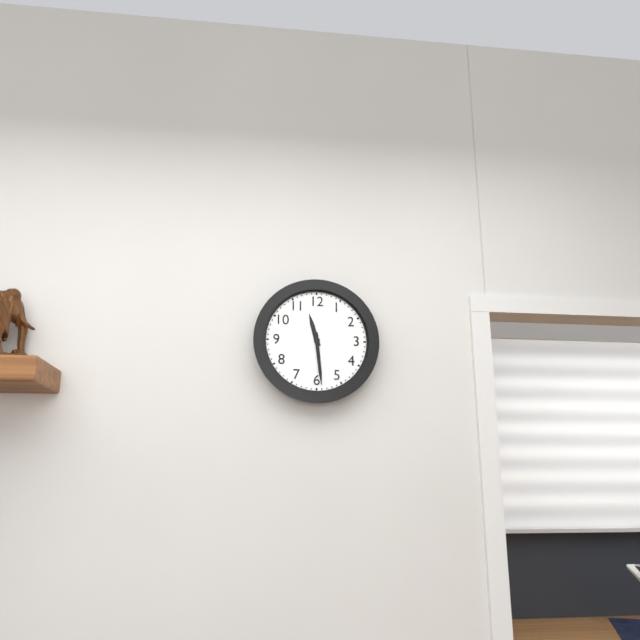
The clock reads {"hour": 11, "minute": 29}
